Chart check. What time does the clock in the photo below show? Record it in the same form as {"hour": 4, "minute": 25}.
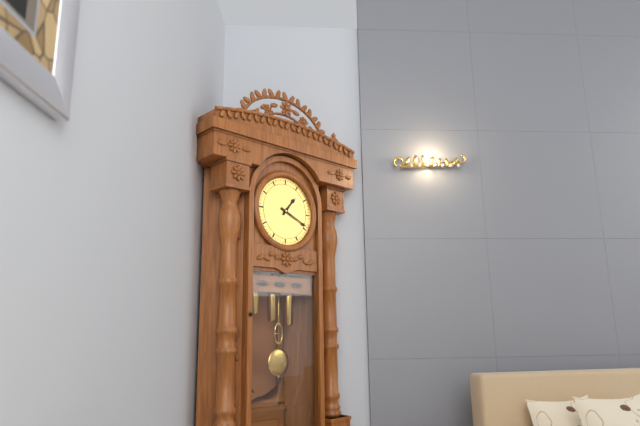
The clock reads {"hour": 1, "minute": 19}
